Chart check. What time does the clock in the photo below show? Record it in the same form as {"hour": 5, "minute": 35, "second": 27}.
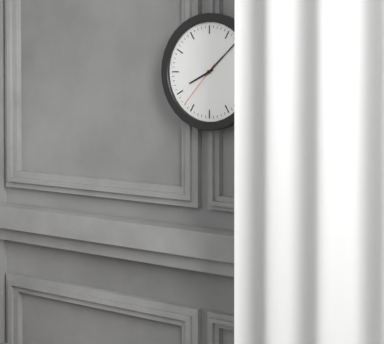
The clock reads {"hour": 8, "minute": 8, "second": 37}
